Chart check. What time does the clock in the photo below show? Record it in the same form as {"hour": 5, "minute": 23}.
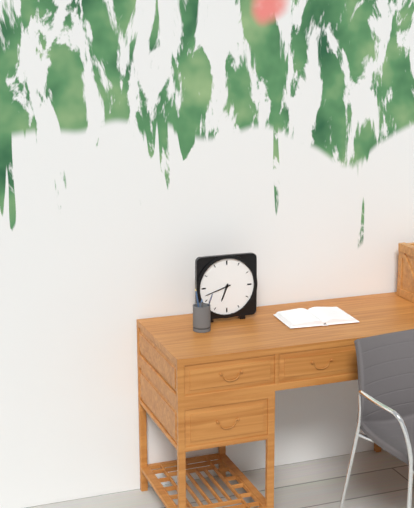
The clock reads {"hour": 6, "minute": 42}
